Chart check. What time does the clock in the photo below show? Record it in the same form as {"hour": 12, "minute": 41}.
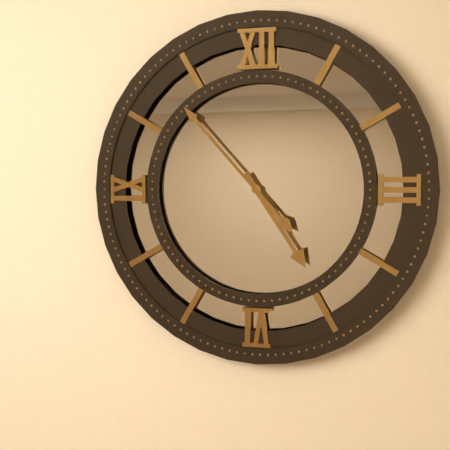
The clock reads {"hour": 4, "minute": 53}
